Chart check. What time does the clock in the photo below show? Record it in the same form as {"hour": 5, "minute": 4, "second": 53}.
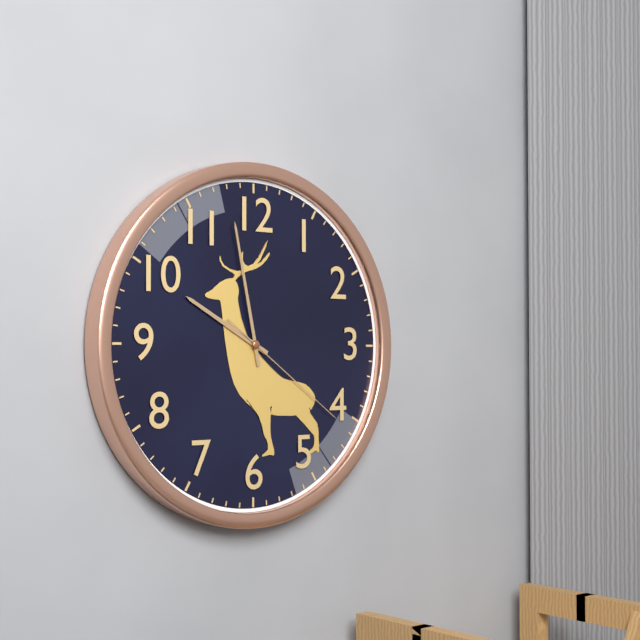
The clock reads {"hour": 9, "minute": 58, "second": 21}
